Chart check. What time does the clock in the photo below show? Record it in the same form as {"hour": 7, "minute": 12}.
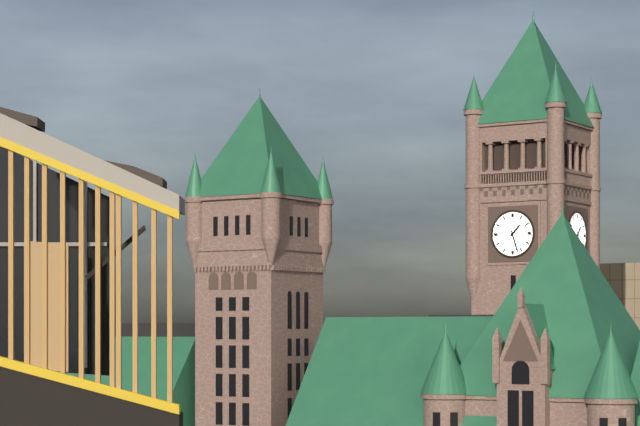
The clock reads {"hour": 1, "minute": 27}
